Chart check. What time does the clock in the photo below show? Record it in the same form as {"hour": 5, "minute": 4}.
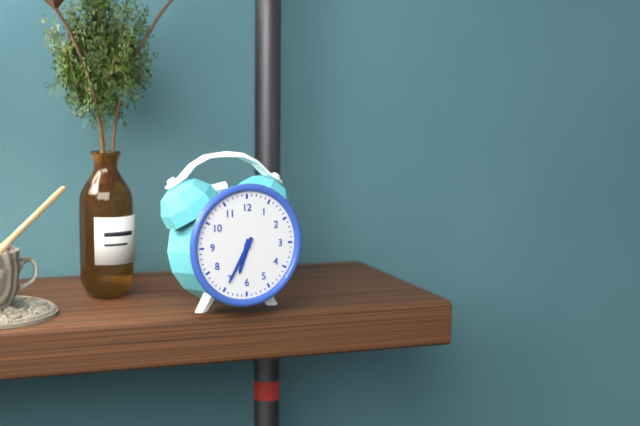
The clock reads {"hour": 6, "minute": 35}
